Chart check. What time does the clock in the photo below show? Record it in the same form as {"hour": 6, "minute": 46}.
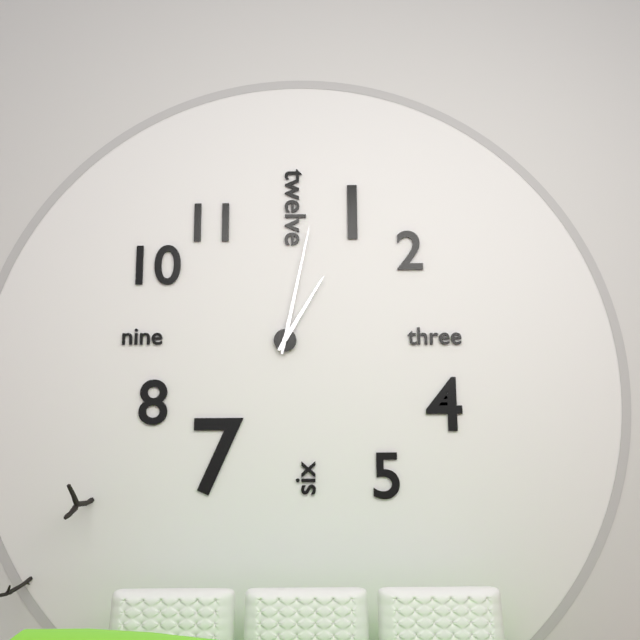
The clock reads {"hour": 1, "minute": 2}
